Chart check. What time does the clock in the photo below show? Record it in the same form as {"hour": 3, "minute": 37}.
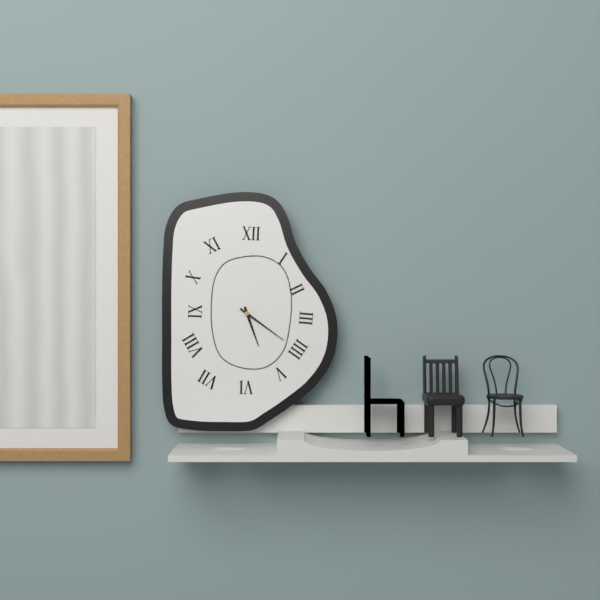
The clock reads {"hour": 5, "minute": 21}
